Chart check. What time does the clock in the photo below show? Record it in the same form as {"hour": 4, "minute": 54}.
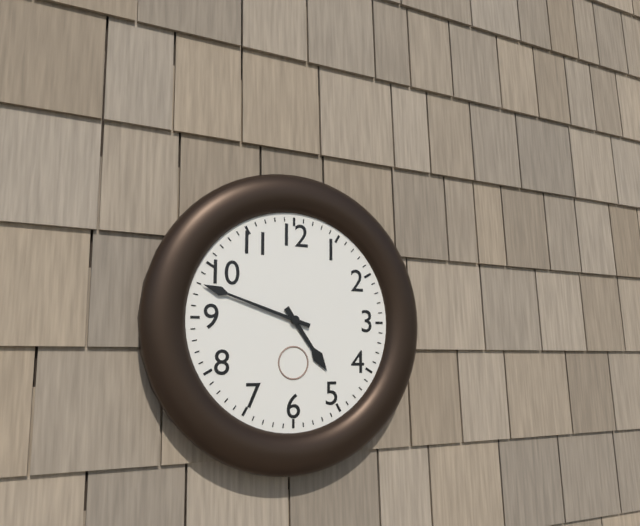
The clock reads {"hour": 4, "minute": 48}
